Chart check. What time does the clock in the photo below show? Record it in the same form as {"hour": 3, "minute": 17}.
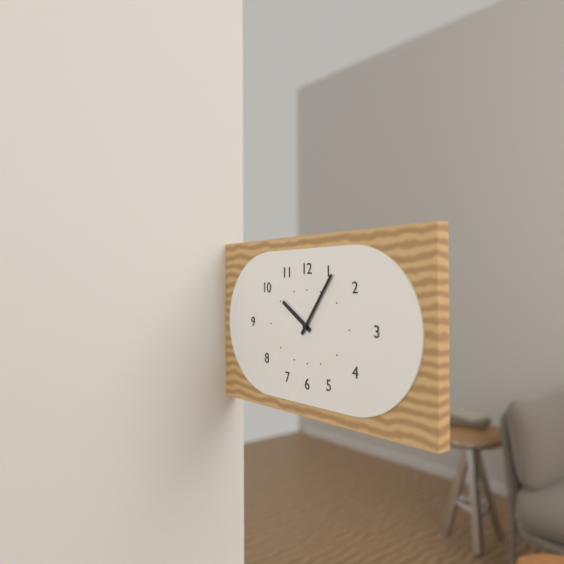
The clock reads {"hour": 10, "minute": 6}
